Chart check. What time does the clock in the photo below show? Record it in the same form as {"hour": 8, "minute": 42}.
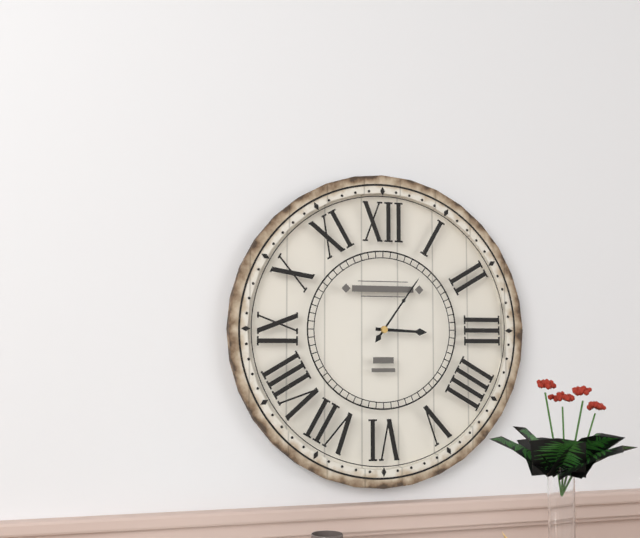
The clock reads {"hour": 3, "minute": 6}
